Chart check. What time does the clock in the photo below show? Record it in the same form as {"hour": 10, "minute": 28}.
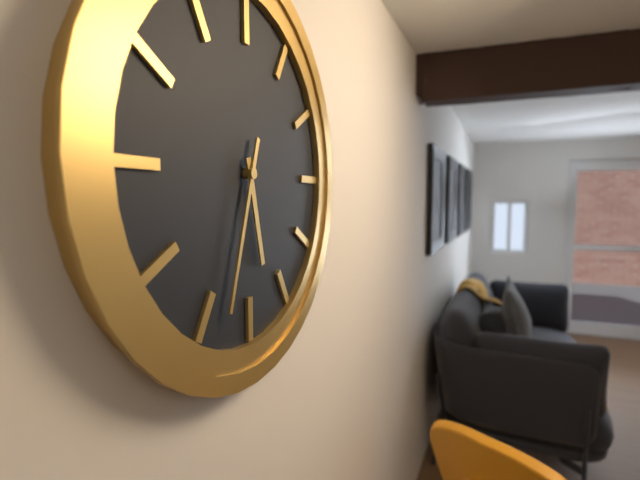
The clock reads {"hour": 5, "minute": 33}
